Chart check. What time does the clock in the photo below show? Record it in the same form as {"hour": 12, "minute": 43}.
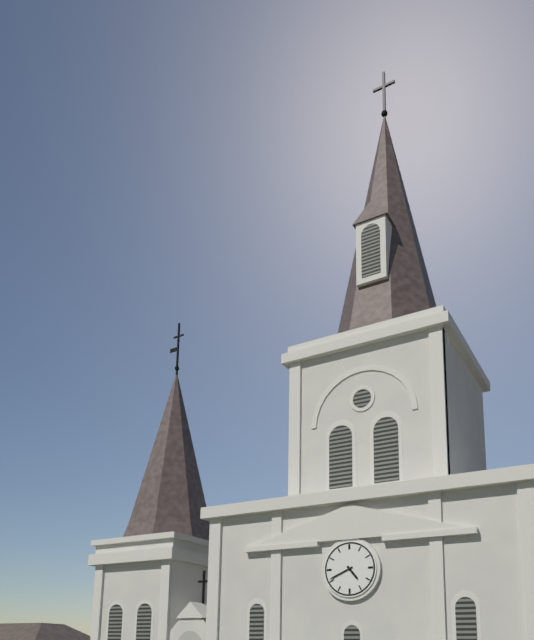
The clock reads {"hour": 4, "minute": 41}
